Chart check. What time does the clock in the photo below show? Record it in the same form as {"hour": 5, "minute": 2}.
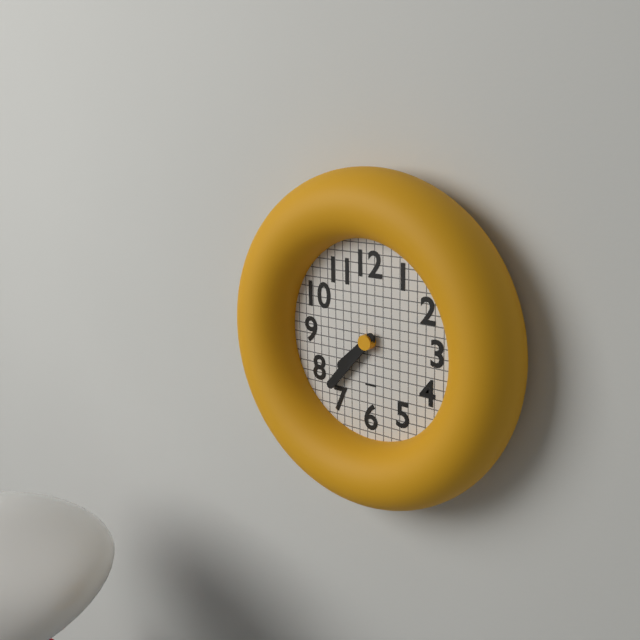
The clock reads {"hour": 7, "minute": 37}
